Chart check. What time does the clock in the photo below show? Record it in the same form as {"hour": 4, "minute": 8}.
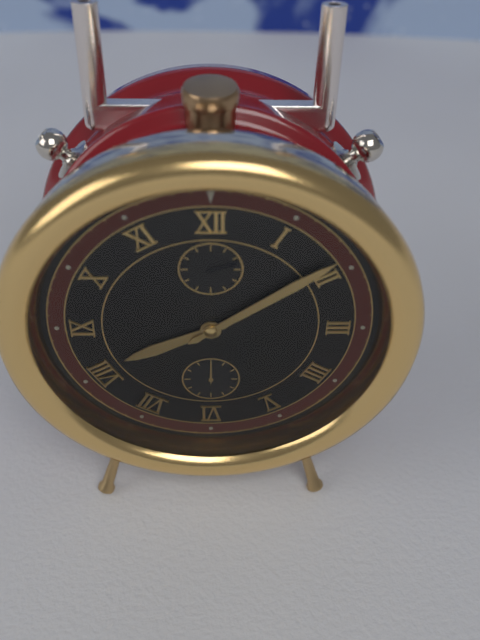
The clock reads {"hour": 8, "minute": 9}
